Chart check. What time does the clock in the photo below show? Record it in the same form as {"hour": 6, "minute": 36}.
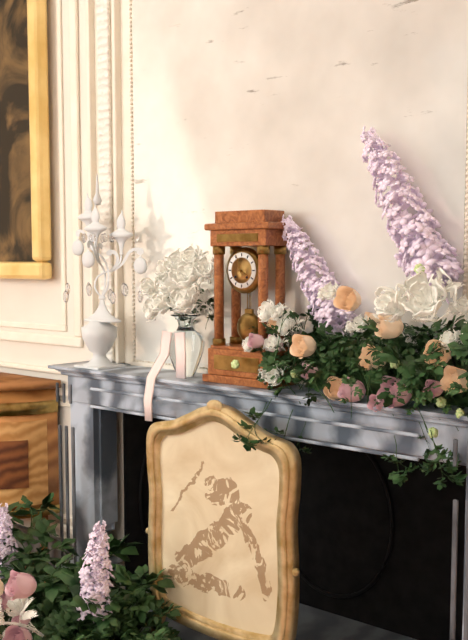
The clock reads {"hour": 3, "minute": 57}
